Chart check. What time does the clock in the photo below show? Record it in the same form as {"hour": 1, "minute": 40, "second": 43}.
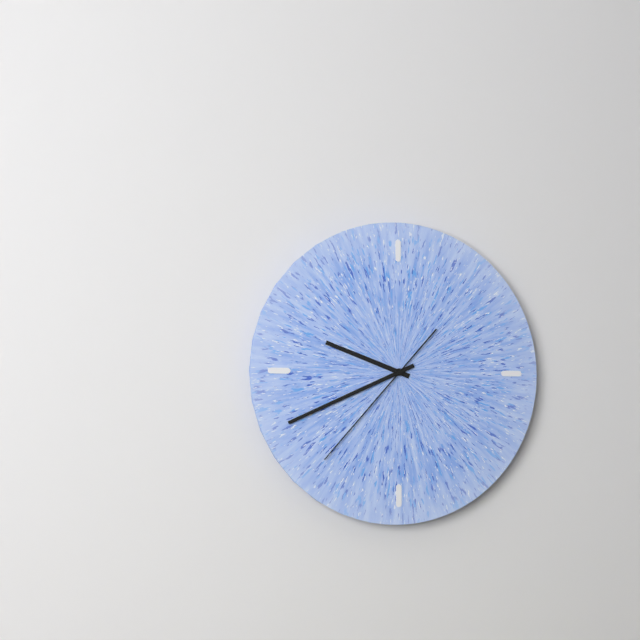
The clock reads {"hour": 9, "minute": 41, "second": 37}
